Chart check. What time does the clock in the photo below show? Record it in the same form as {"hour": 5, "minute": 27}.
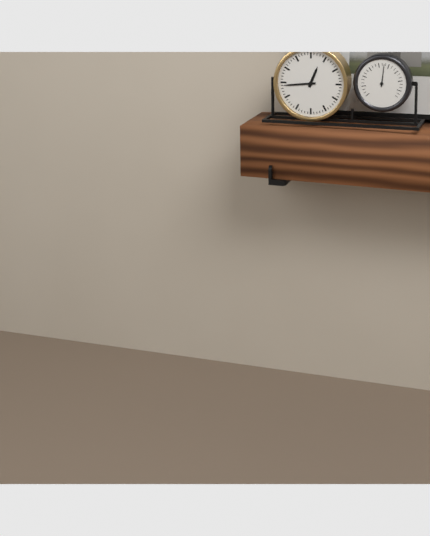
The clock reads {"hour": 12, "minute": 44}
